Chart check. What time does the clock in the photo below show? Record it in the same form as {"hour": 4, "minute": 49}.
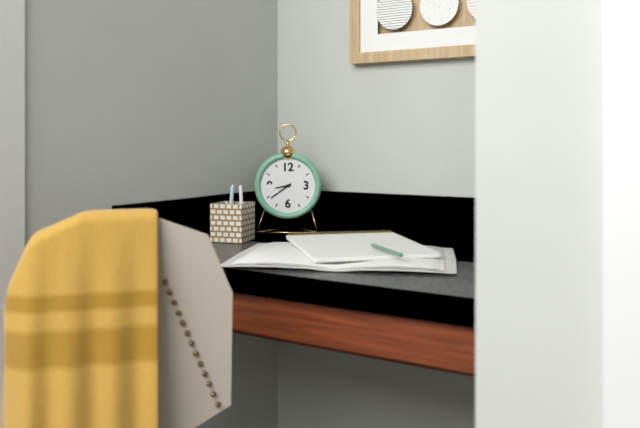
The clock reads {"hour": 8, "minute": 39}
